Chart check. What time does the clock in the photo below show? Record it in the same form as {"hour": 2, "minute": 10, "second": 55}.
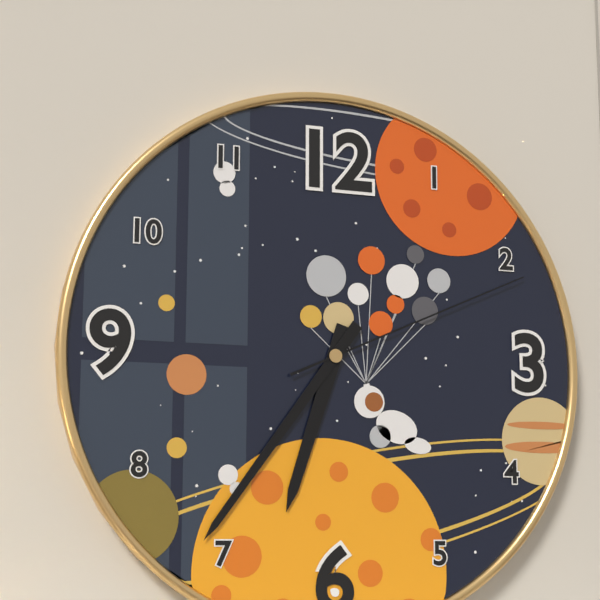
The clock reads {"hour": 6, "minute": 36, "second": 11}
